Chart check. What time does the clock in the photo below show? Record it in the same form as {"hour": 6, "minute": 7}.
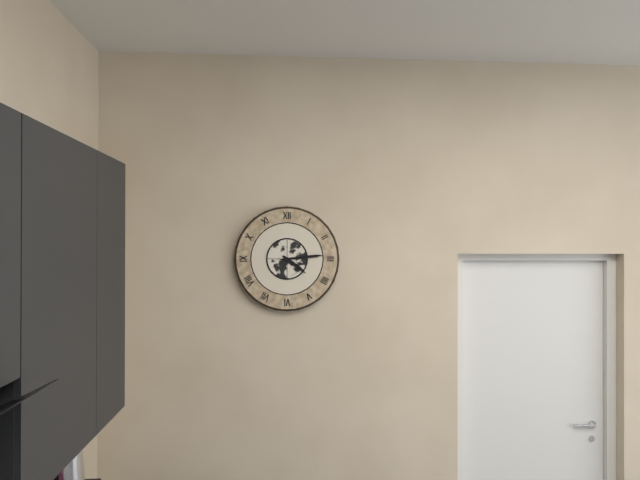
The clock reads {"hour": 4, "minute": 14}
